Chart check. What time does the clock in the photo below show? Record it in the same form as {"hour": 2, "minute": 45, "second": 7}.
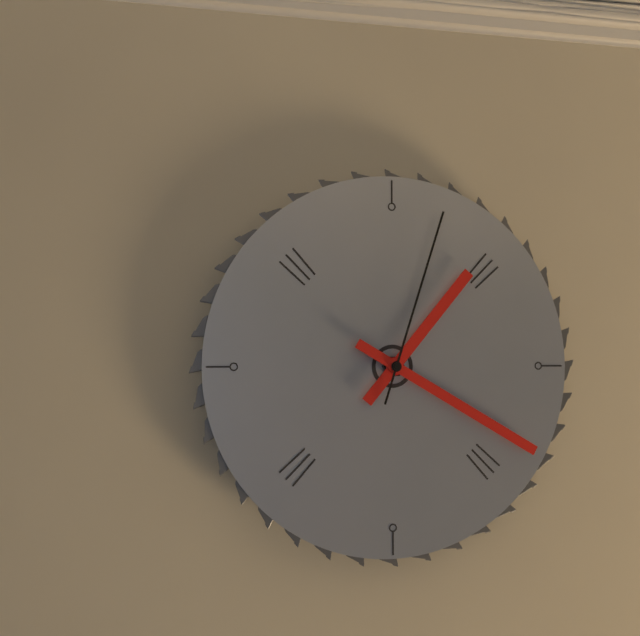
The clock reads {"hour": 1, "minute": 20, "second": 3}
